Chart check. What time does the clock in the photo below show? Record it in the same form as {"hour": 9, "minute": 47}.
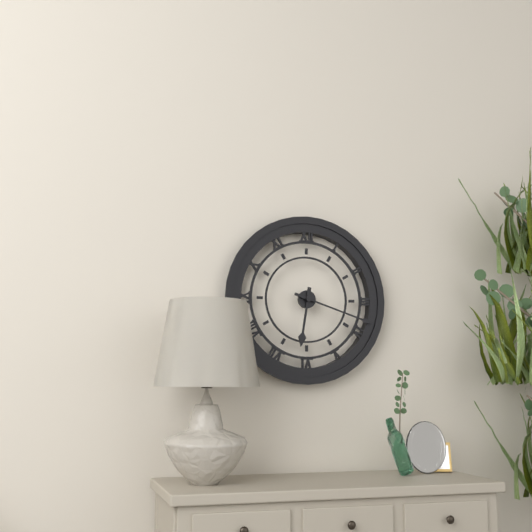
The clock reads {"hour": 6, "minute": 18}
